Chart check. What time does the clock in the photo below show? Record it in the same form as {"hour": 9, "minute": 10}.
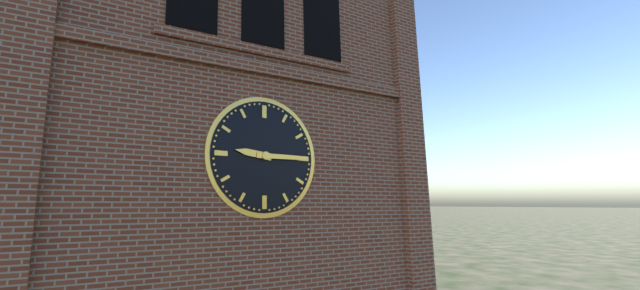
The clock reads {"hour": 9, "minute": 15}
